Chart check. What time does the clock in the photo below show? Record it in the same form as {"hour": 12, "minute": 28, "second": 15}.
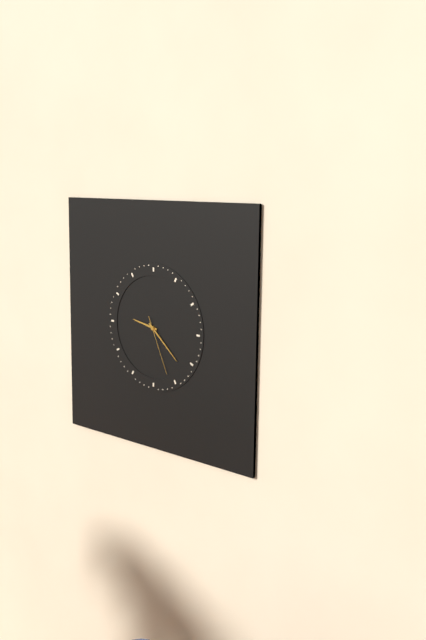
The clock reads {"hour": 9, "minute": 22, "second": 26}
